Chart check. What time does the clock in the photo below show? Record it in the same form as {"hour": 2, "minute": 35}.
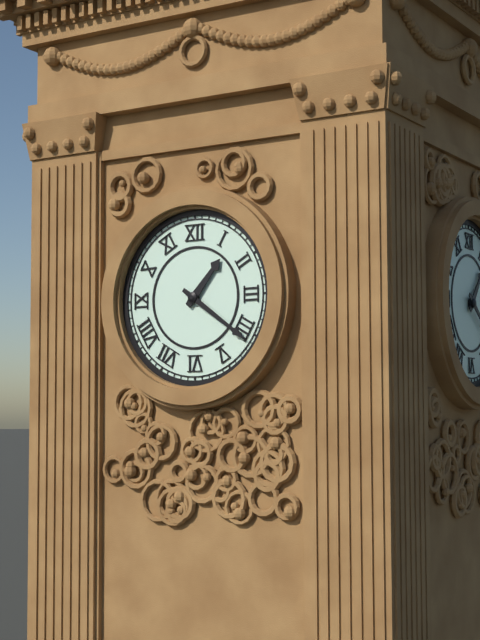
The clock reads {"hour": 1, "minute": 21}
